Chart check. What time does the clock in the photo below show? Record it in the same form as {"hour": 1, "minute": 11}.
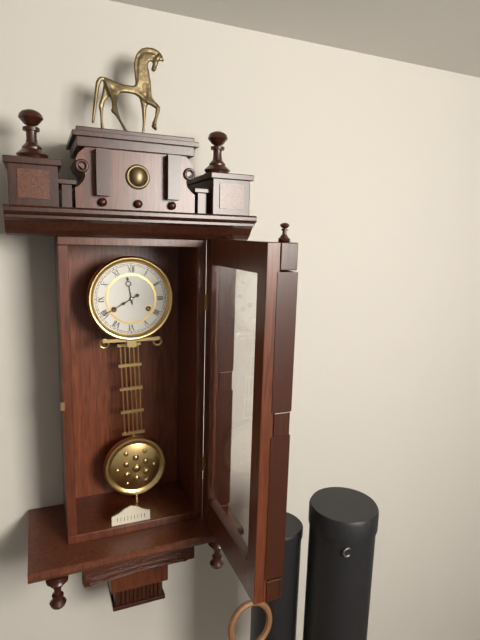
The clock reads {"hour": 11, "minute": 40}
